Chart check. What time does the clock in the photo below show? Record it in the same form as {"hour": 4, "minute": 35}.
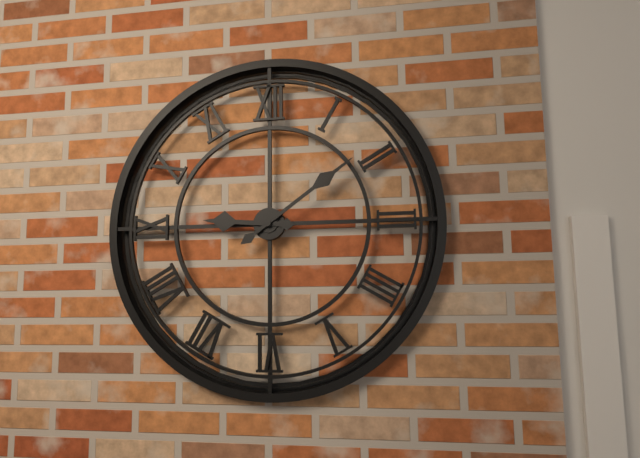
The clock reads {"hour": 9, "minute": 9}
